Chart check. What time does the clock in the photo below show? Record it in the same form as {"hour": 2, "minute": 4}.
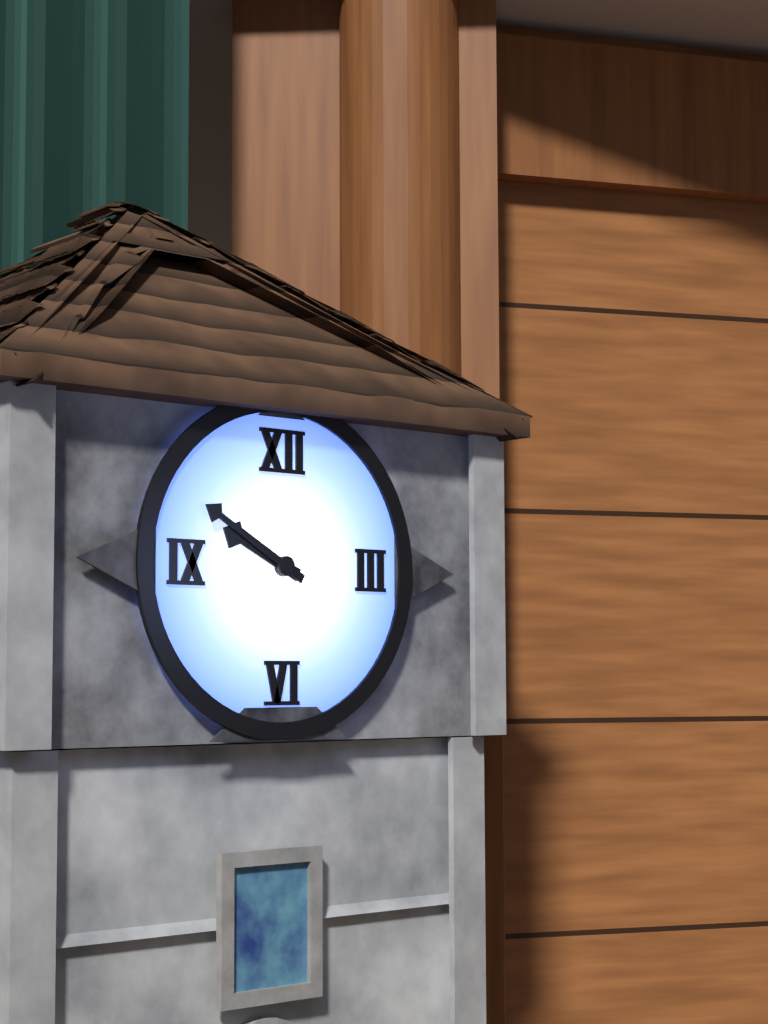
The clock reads {"hour": 9, "minute": 50}
